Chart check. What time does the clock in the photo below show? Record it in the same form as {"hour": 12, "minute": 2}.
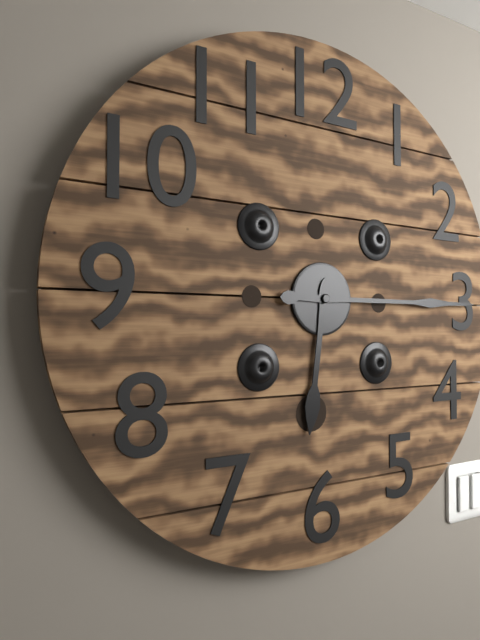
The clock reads {"hour": 6, "minute": 15}
